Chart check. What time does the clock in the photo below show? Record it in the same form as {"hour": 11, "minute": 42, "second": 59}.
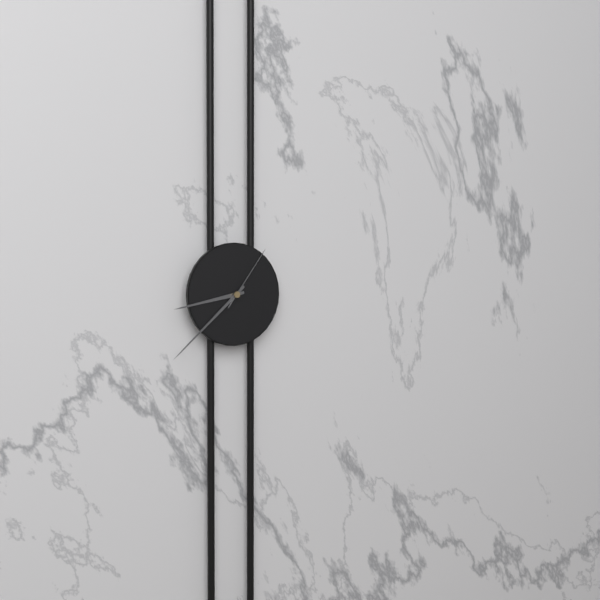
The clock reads {"hour": 8, "minute": 38, "second": 6}
